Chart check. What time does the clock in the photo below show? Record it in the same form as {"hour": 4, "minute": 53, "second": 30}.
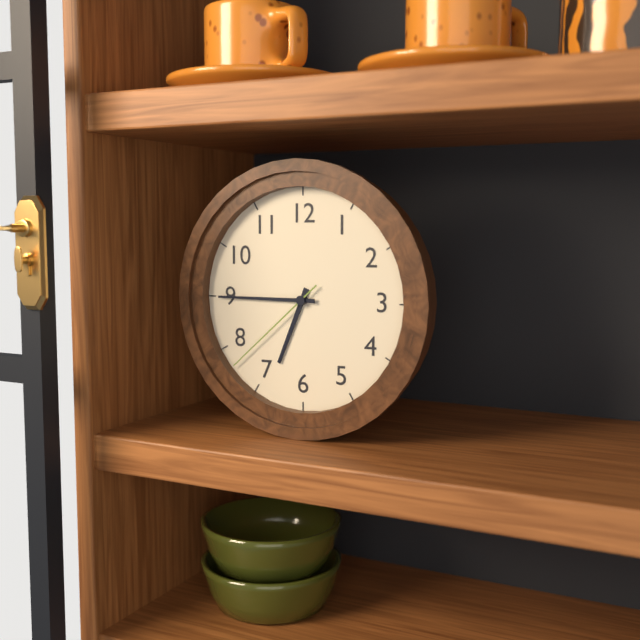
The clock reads {"hour": 6, "minute": 45, "second": 38}
